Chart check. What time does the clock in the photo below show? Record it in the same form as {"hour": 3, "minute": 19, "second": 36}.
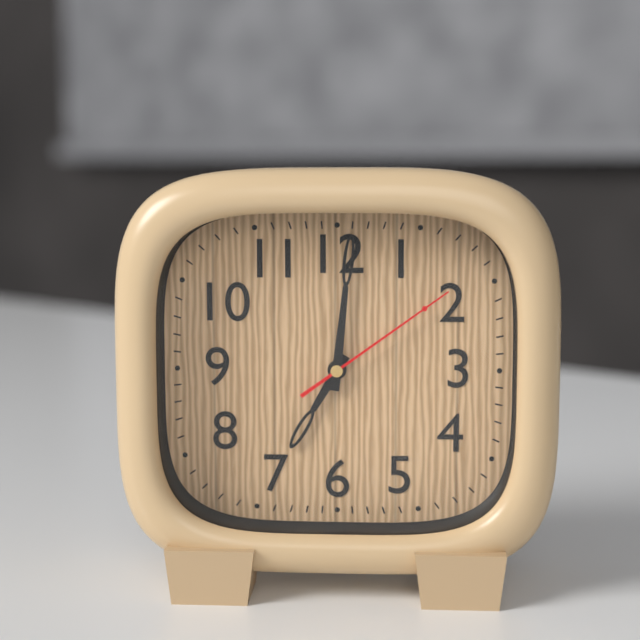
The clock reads {"hour": 7, "minute": 1, "second": 9}
